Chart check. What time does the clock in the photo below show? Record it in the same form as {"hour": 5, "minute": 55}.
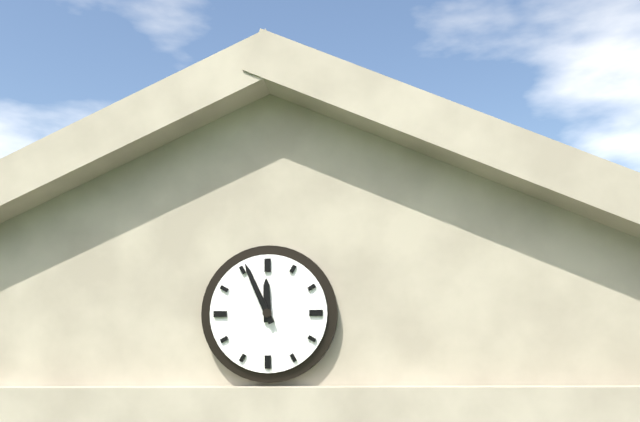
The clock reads {"hour": 11, "minute": 56}
